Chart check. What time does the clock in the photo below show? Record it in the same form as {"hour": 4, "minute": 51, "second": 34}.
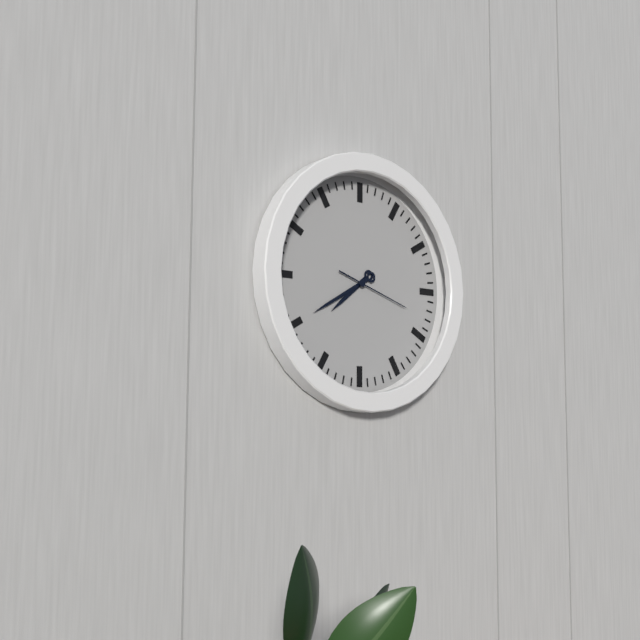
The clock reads {"hour": 7, "minute": 40, "second": 18}
